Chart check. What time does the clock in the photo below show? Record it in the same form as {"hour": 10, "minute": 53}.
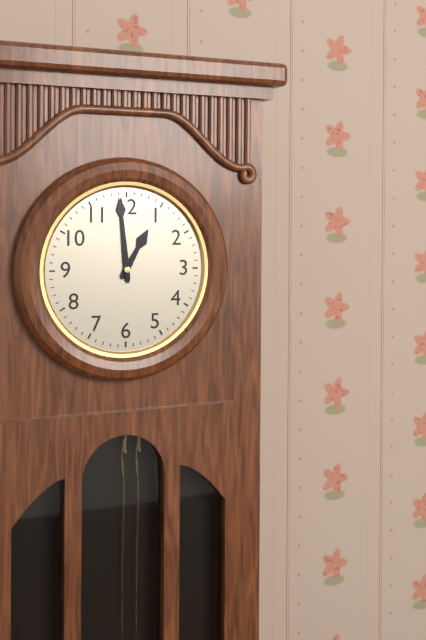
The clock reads {"hour": 12, "minute": 59}
